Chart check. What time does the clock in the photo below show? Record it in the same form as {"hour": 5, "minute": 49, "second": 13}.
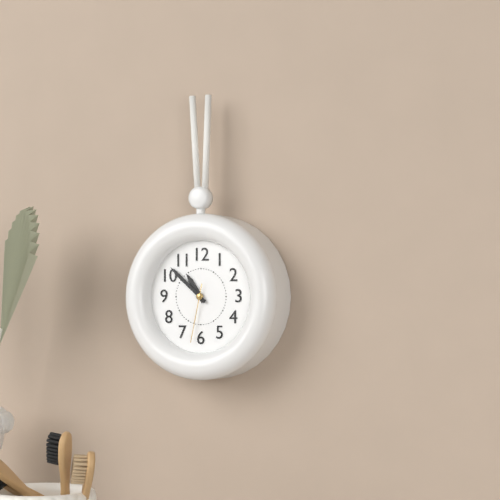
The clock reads {"hour": 10, "minute": 52, "second": 32}
